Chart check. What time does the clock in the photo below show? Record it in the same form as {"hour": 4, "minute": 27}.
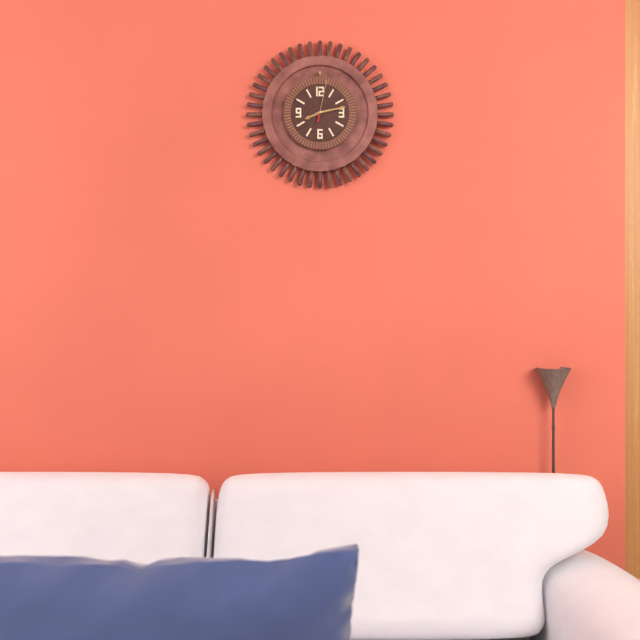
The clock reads {"hour": 8, "minute": 13}
